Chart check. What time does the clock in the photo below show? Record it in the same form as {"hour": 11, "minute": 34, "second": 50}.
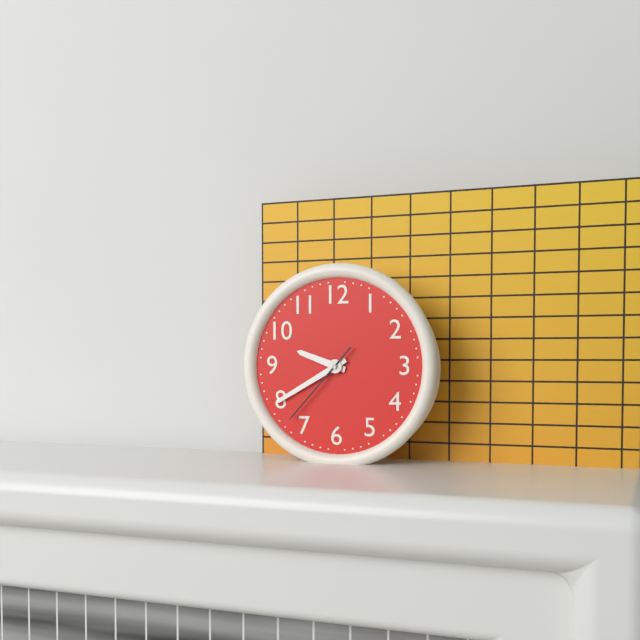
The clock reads {"hour": 9, "minute": 40, "second": 37}
